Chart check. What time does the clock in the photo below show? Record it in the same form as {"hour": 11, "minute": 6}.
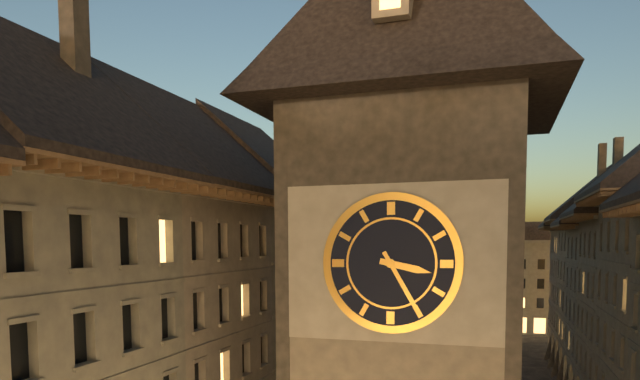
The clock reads {"hour": 3, "minute": 25}
